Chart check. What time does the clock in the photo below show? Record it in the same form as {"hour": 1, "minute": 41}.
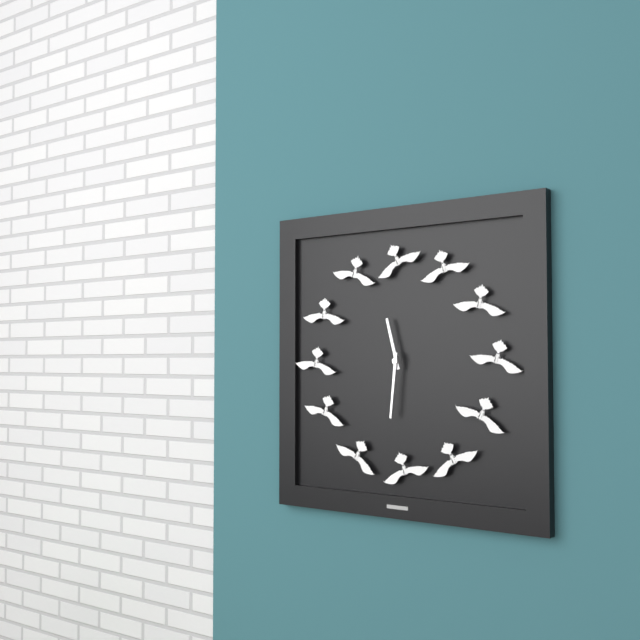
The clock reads {"hour": 11, "minute": 31}
